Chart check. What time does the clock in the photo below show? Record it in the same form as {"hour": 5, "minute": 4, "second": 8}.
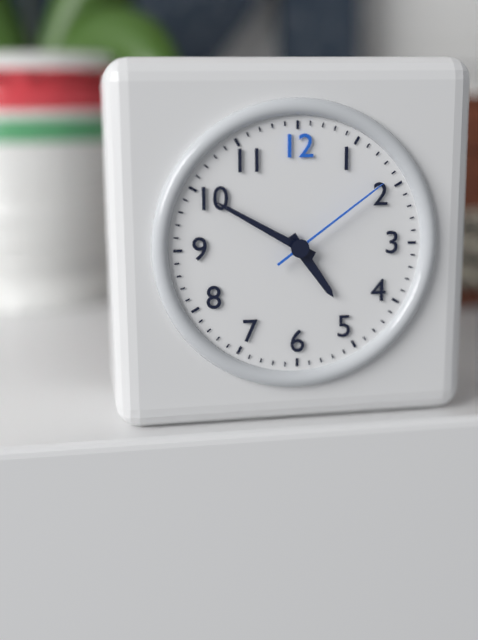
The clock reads {"hour": 4, "minute": 50, "second": 9}
